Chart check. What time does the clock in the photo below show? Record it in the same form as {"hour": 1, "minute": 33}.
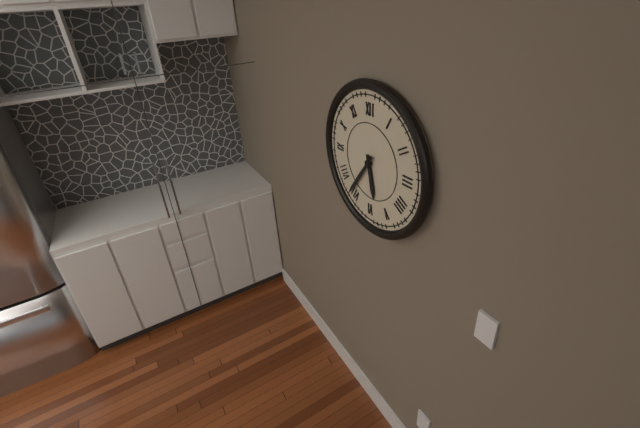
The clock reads {"hour": 5, "minute": 36}
